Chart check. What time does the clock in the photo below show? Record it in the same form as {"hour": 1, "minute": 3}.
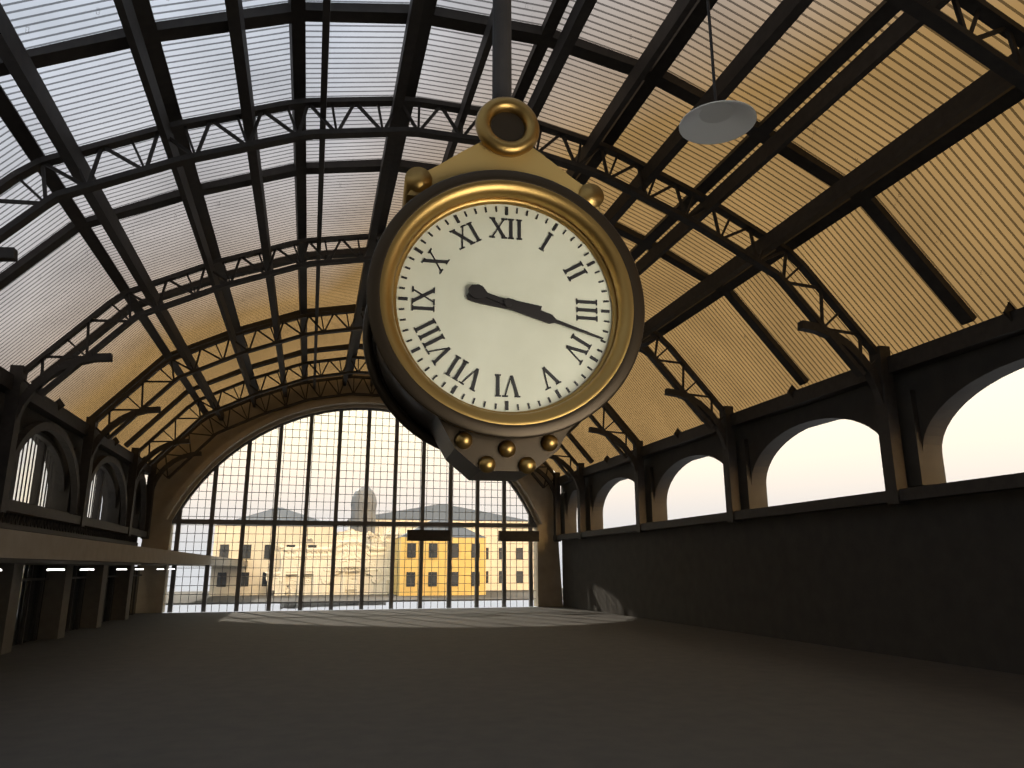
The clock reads {"hour": 9, "minute": 18}
